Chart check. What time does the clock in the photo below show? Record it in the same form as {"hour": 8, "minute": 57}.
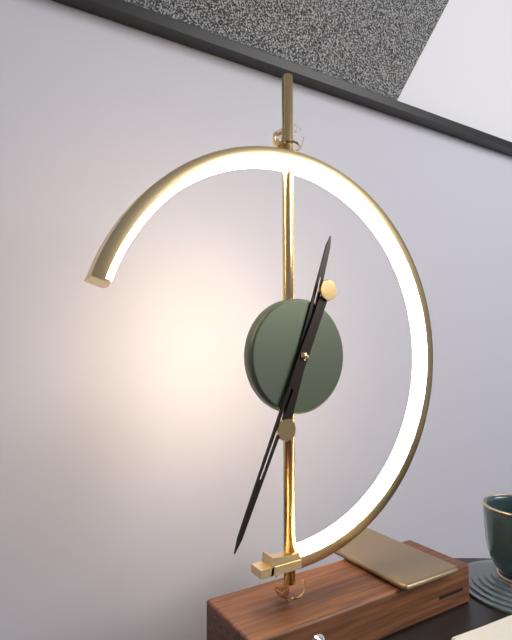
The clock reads {"hour": 12, "minute": 34}
